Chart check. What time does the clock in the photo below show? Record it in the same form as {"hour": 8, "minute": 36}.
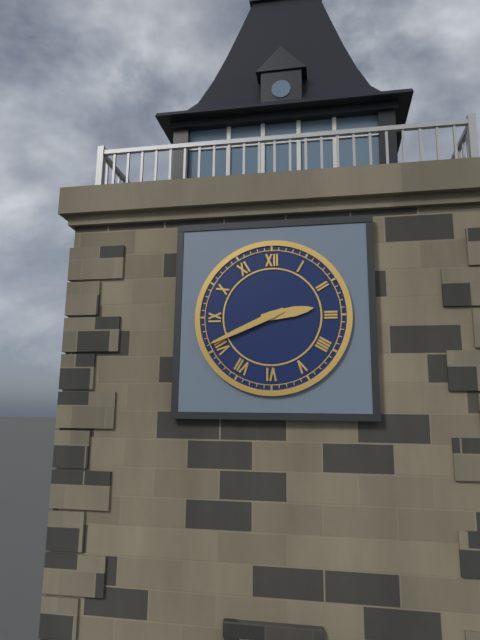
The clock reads {"hour": 2, "minute": 41}
